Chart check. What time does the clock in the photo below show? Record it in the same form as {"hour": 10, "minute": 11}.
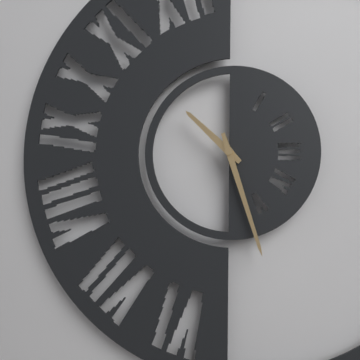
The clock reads {"hour": 10, "minute": 27}
